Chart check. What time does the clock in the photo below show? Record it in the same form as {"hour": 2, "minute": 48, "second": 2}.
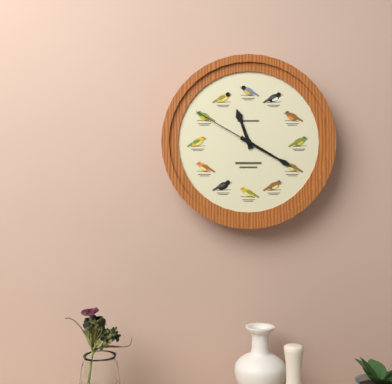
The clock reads {"hour": 11, "minute": 20, "second": 50}
